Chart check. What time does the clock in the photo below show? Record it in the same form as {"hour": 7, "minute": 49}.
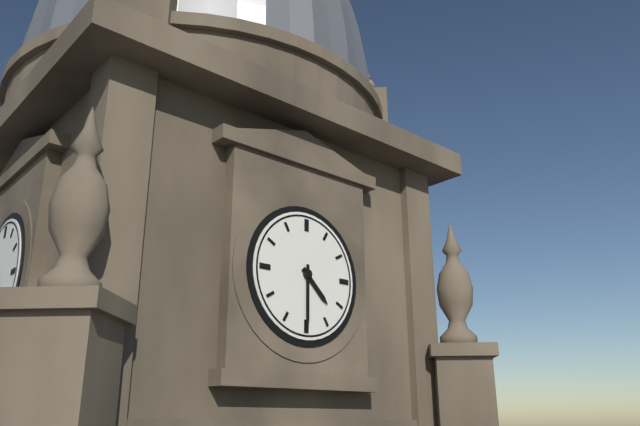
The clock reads {"hour": 4, "minute": 30}
